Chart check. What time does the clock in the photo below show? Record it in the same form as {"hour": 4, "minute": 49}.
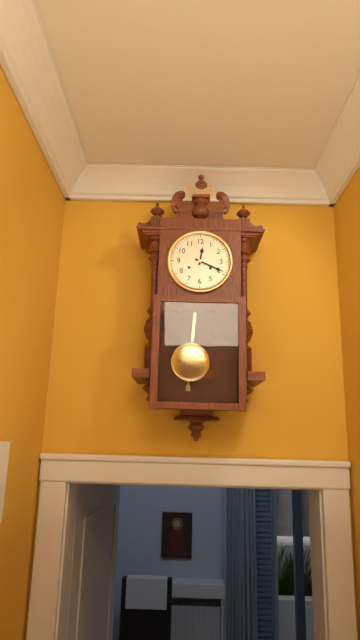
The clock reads {"hour": 12, "minute": 19}
